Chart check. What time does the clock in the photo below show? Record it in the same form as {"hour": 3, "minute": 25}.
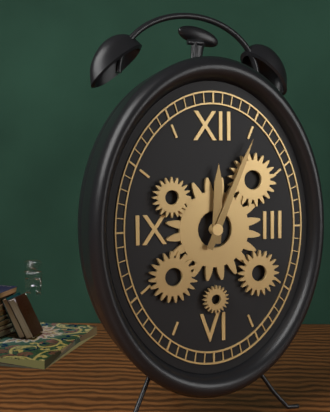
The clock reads {"hour": 12, "minute": 4}
